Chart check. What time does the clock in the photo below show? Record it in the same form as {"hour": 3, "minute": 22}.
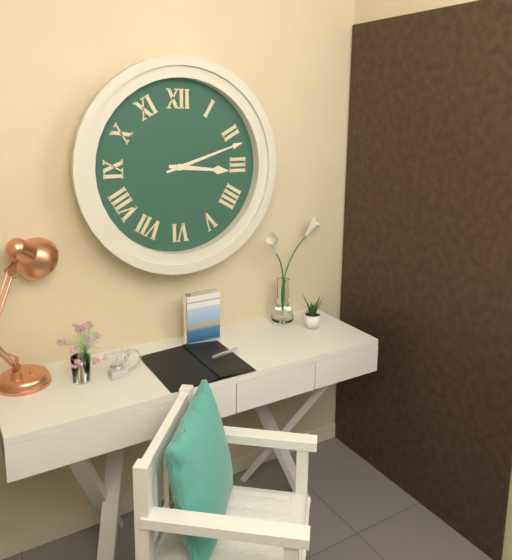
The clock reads {"hour": 3, "minute": 12}
